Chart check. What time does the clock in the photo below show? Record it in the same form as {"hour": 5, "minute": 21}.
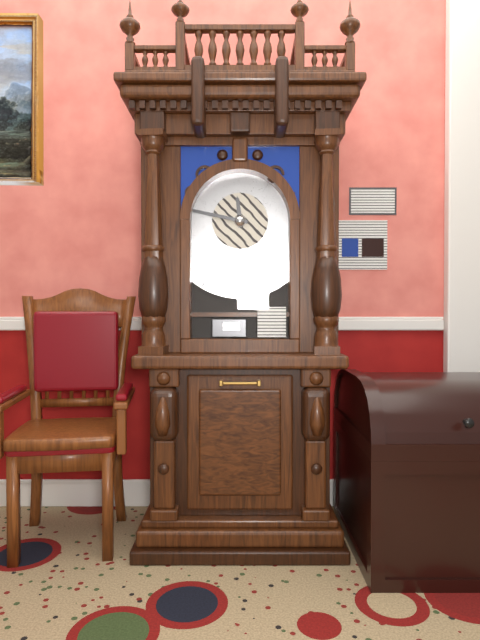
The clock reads {"hour": 11, "minute": 47}
